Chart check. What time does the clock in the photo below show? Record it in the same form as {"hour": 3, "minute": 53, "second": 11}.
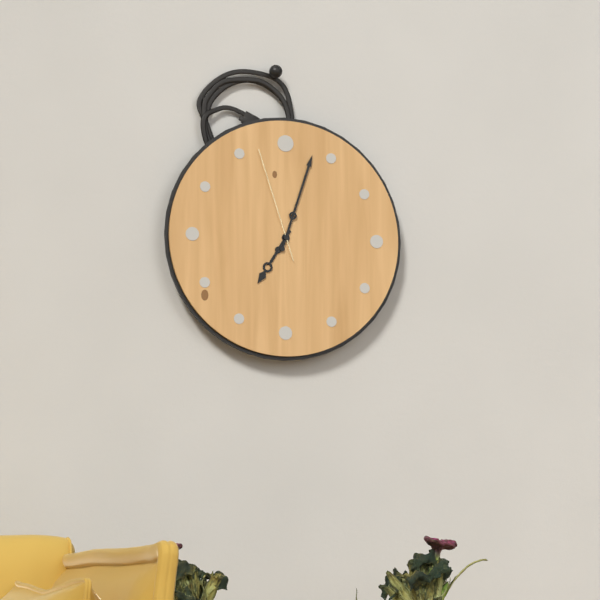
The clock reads {"hour": 7, "minute": 3, "second": 57}
